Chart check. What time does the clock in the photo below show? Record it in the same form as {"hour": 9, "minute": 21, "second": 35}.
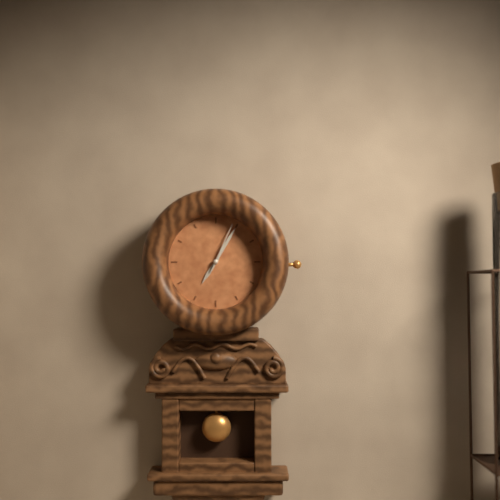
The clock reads {"hour": 7, "minute": 5, "second": 4}
